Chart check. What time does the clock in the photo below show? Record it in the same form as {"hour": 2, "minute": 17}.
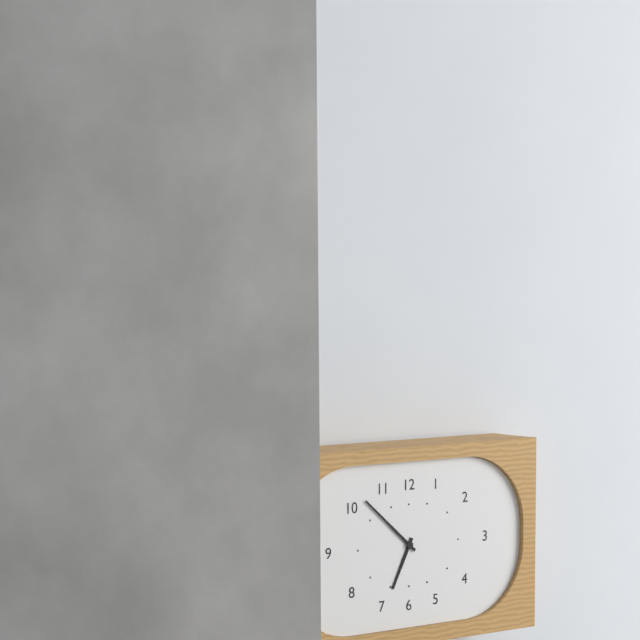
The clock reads {"hour": 6, "minute": 52}
